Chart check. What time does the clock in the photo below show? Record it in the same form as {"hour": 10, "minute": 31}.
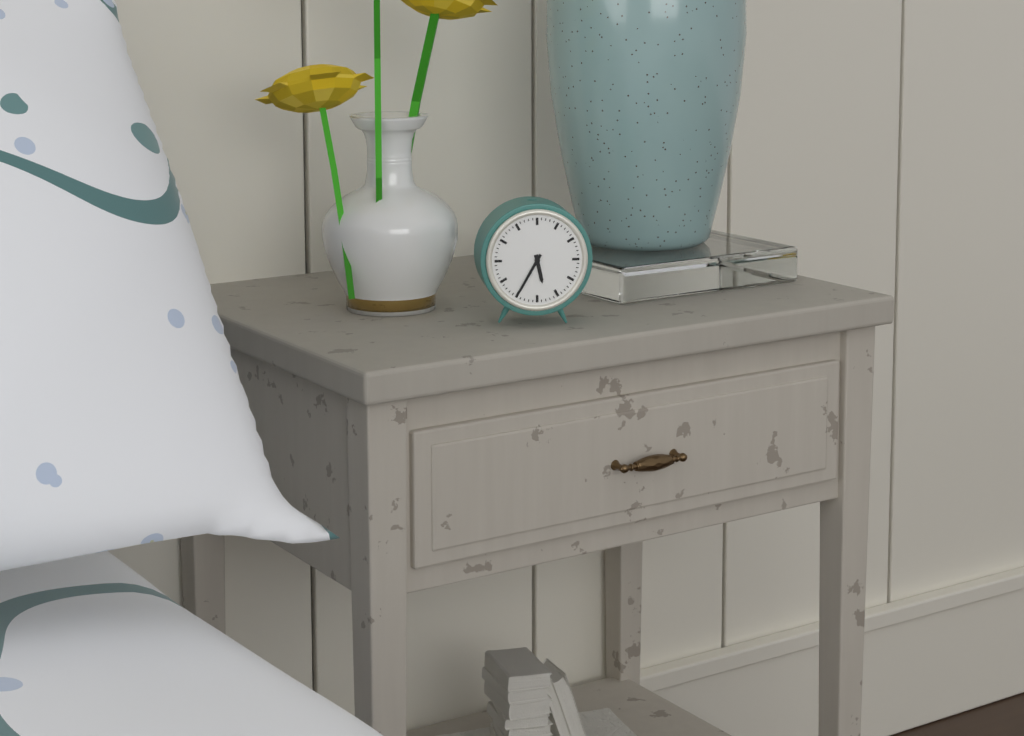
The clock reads {"hour": 5, "minute": 35}
